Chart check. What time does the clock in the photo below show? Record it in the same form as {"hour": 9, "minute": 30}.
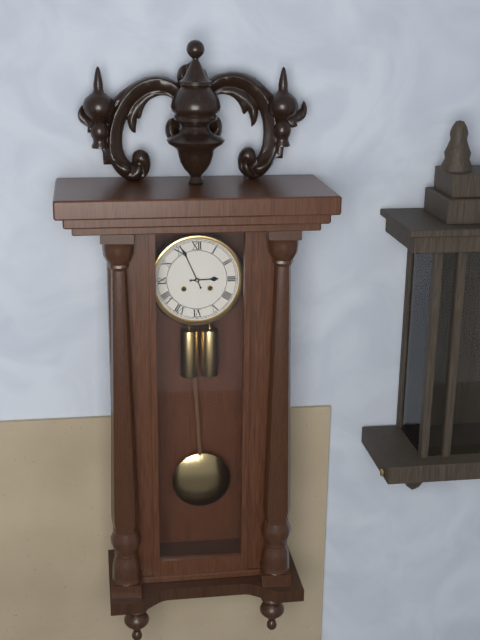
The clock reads {"hour": 2, "minute": 56}
